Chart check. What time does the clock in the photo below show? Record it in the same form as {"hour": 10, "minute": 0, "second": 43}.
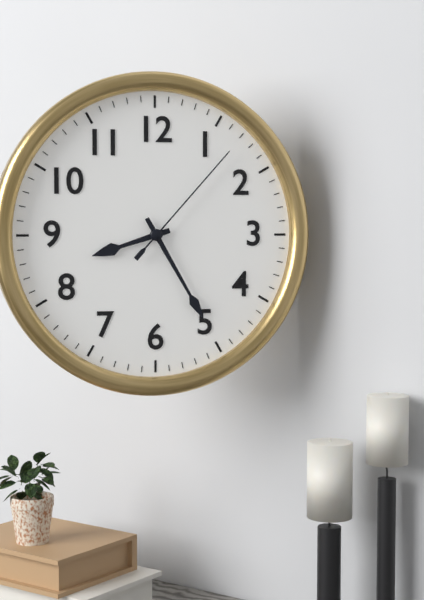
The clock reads {"hour": 8, "minute": 25, "second": 7}
